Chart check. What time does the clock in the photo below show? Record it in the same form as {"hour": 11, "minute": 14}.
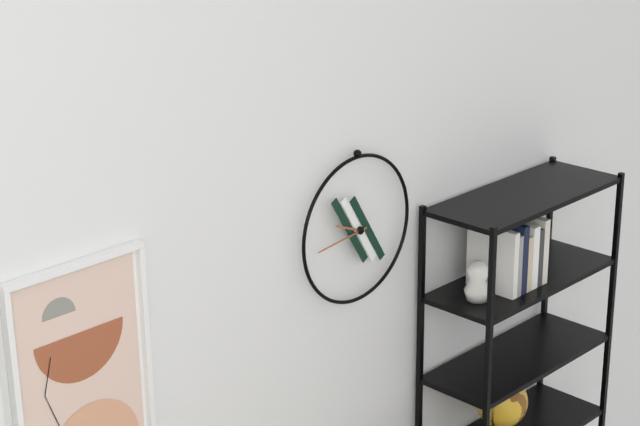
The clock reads {"hour": 9, "minute": 44}
